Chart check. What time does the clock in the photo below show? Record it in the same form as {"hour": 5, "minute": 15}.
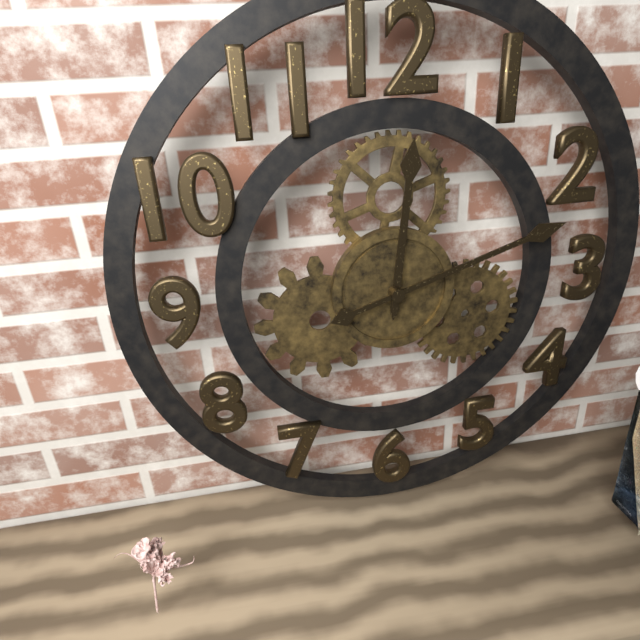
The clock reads {"hour": 12, "minute": 12}
